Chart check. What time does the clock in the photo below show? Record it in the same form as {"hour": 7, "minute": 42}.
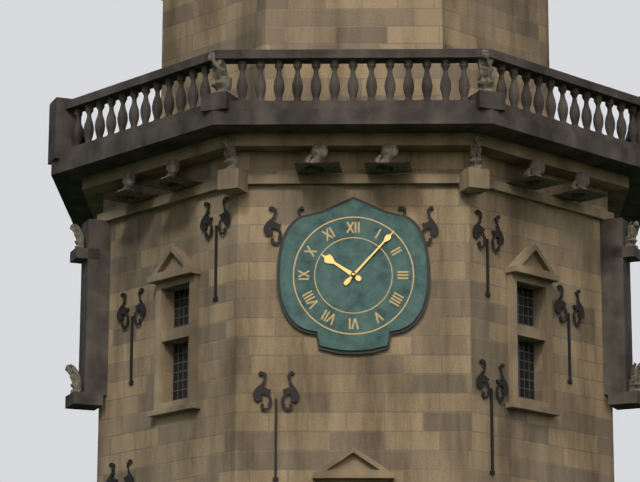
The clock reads {"hour": 10, "minute": 7}
